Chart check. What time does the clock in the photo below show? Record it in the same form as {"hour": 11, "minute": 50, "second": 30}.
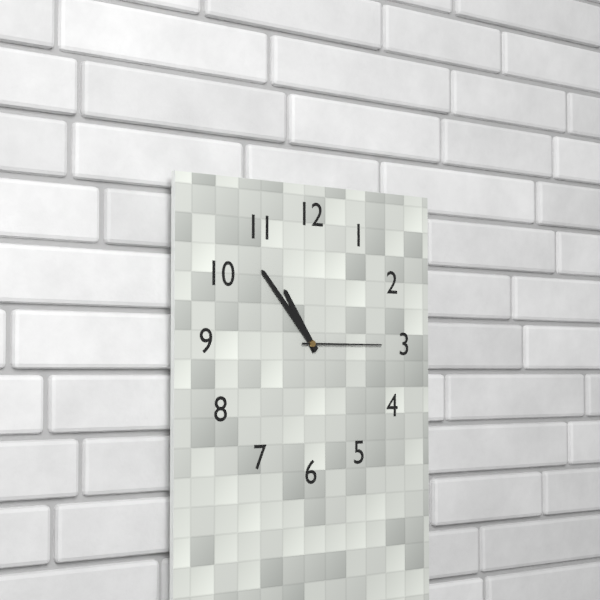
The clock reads {"hour": 10, "minute": 53, "second": 15}
